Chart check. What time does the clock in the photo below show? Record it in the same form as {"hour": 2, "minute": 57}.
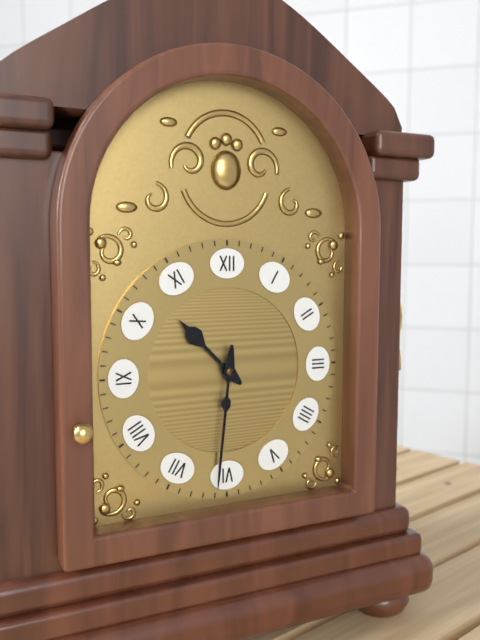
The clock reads {"hour": 10, "minute": 31}
